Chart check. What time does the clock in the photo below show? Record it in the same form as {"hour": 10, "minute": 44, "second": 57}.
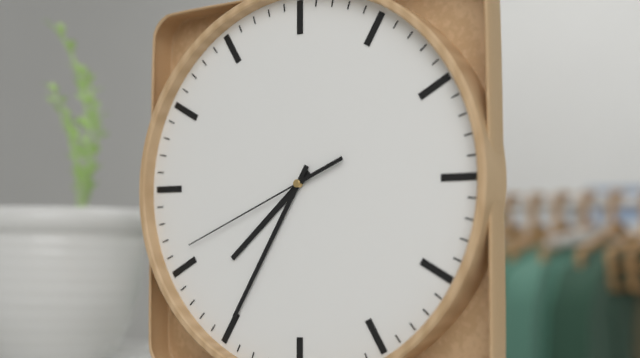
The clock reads {"hour": 7, "minute": 35, "second": 41}
